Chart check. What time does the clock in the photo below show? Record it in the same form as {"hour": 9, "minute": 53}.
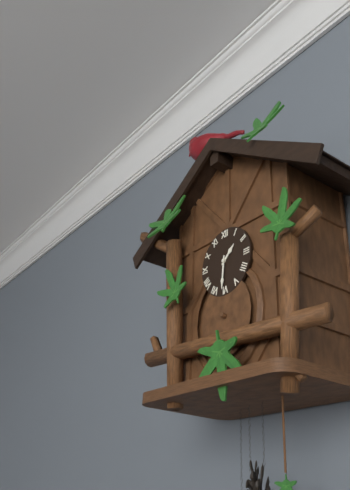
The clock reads {"hour": 1, "minute": 31}
